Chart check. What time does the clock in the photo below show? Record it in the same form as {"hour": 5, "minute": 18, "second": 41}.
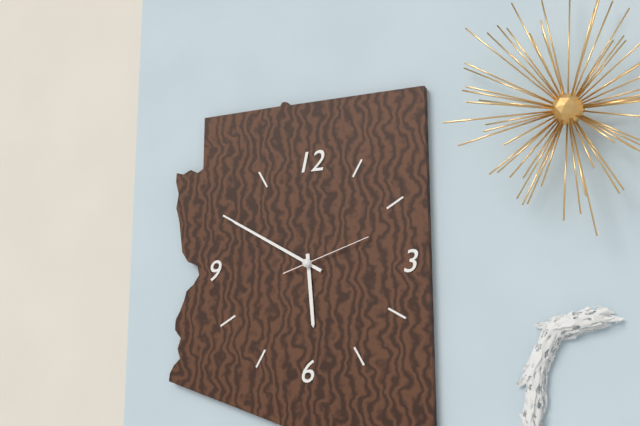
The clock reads {"hour": 5, "minute": 50, "second": 12}
